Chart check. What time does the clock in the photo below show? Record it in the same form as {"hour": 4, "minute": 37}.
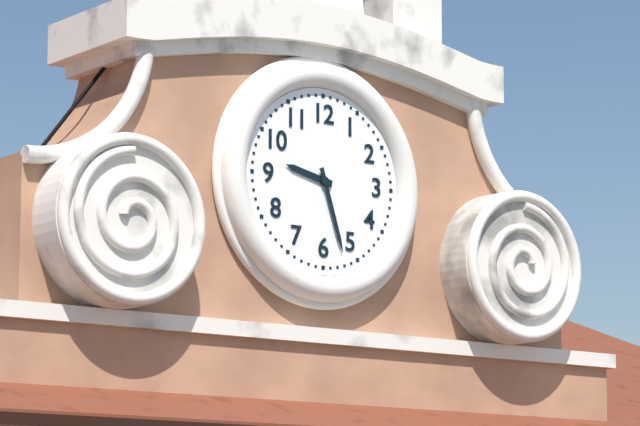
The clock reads {"hour": 9, "minute": 27}
